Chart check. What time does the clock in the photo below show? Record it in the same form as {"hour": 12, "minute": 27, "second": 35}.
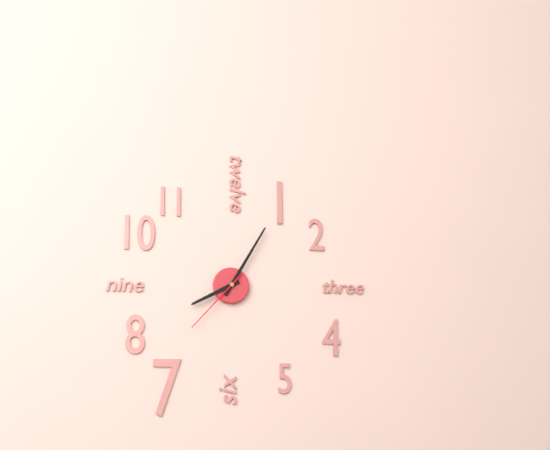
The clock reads {"hour": 8, "minute": 5, "second": 37}
